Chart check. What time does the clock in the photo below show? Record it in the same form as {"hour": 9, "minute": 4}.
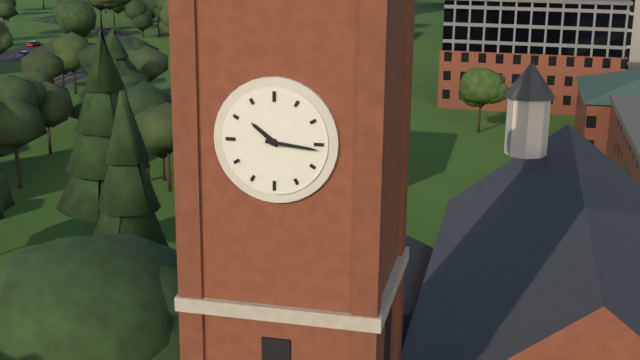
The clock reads {"hour": 10, "minute": 16}
